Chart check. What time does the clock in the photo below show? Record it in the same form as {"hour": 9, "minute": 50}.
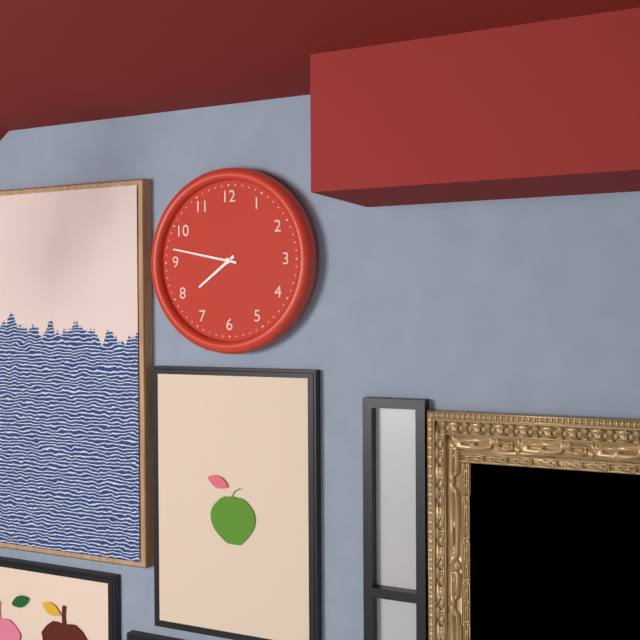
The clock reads {"hour": 7, "minute": 47}
